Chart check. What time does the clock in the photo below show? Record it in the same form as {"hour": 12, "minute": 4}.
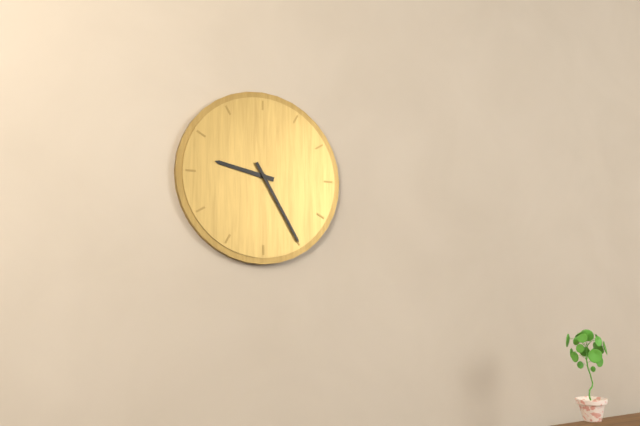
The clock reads {"hour": 9, "minute": 25}
